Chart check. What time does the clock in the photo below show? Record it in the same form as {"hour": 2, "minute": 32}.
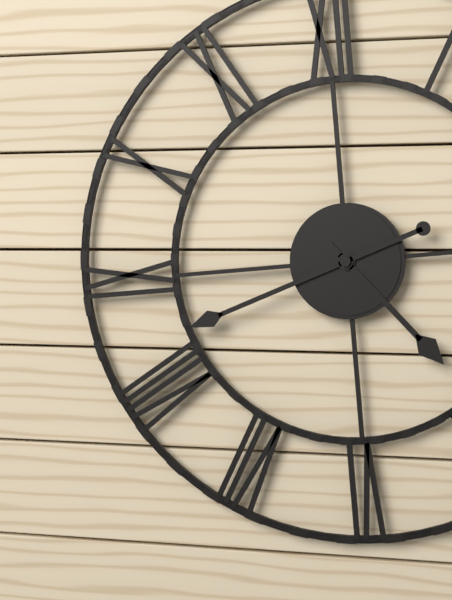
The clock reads {"hour": 4, "minute": 42}
